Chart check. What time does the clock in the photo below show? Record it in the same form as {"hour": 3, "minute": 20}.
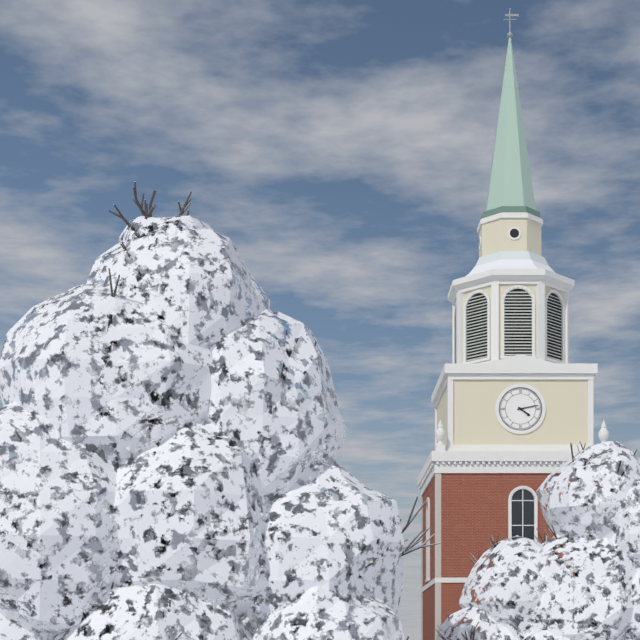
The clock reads {"hour": 4, "minute": 13}
